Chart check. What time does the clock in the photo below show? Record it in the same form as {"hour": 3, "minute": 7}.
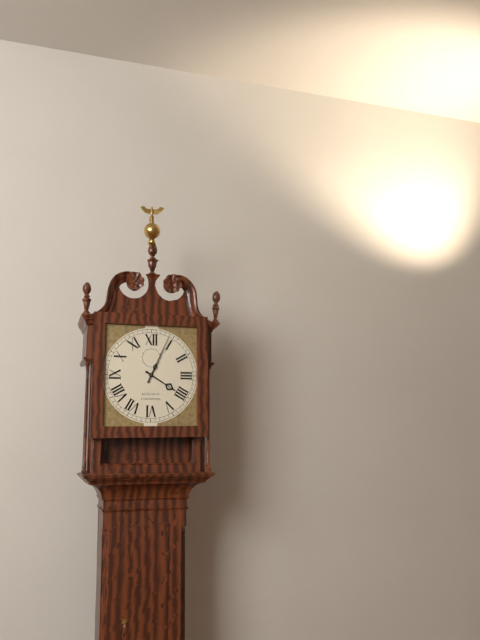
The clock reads {"hour": 4, "minute": 4}
